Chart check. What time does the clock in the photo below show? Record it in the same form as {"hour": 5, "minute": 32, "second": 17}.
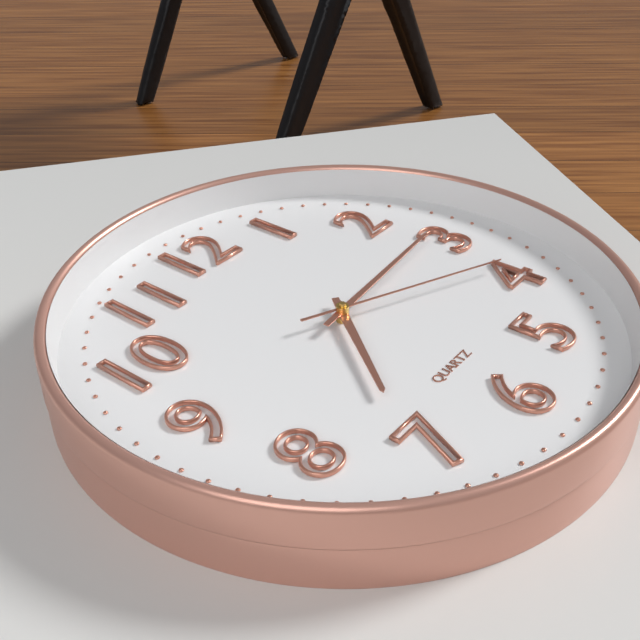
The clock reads {"hour": 7, "minute": 14, "second": 19}
